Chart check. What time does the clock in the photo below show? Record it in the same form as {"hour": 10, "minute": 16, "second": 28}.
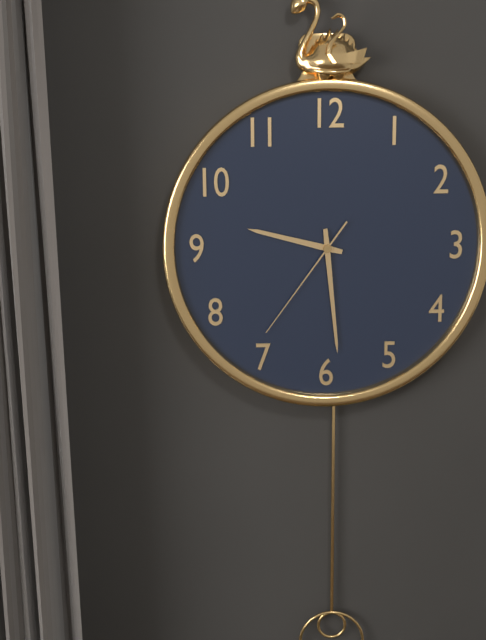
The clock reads {"hour": 9, "minute": 29, "second": 36}
